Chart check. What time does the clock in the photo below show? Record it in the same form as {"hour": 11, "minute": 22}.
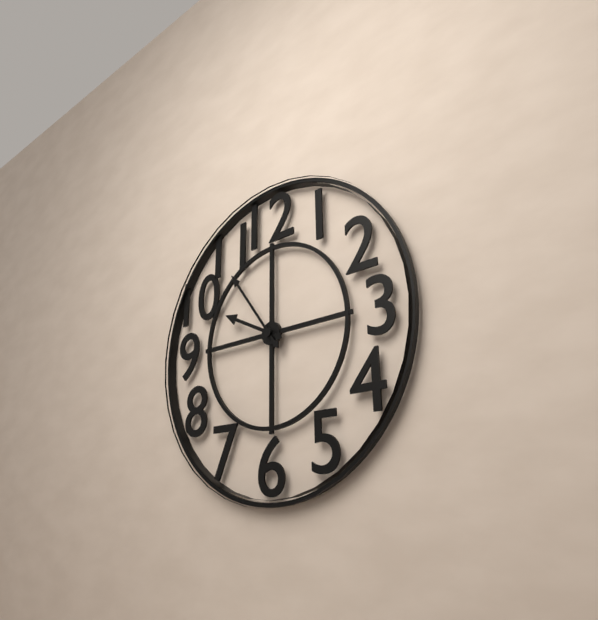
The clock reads {"hour": 9, "minute": 54}
